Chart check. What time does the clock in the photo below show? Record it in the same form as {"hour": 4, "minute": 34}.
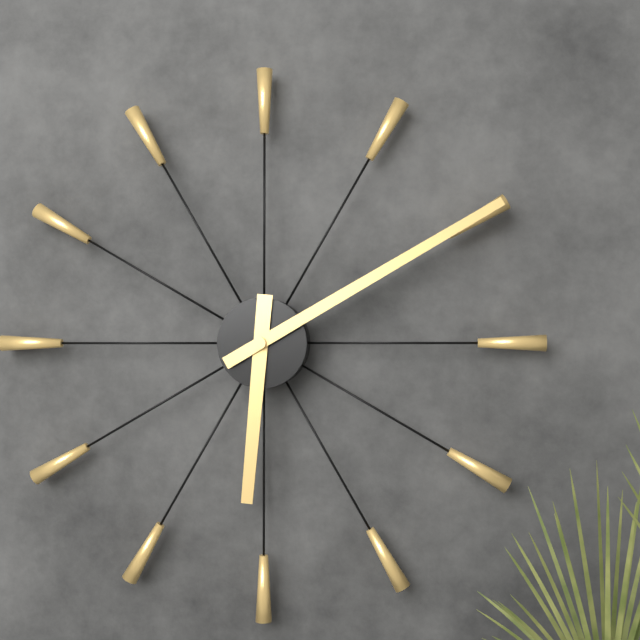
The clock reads {"hour": 6, "minute": 10}
